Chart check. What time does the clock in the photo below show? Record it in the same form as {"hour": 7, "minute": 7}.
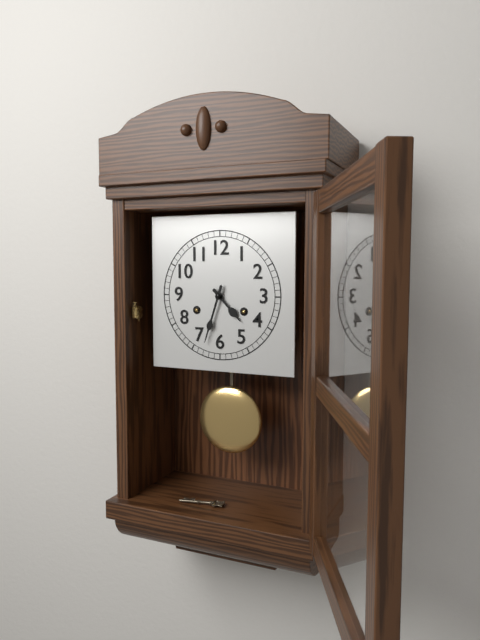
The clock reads {"hour": 4, "minute": 33}
